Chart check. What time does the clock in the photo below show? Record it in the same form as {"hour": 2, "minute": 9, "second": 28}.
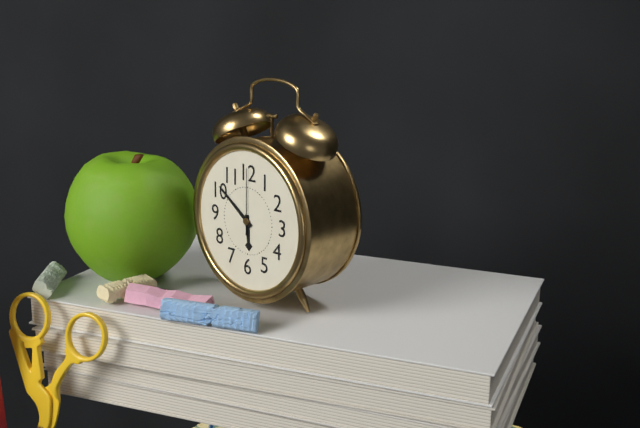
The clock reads {"hour": 5, "minute": 51, "second": 0}
